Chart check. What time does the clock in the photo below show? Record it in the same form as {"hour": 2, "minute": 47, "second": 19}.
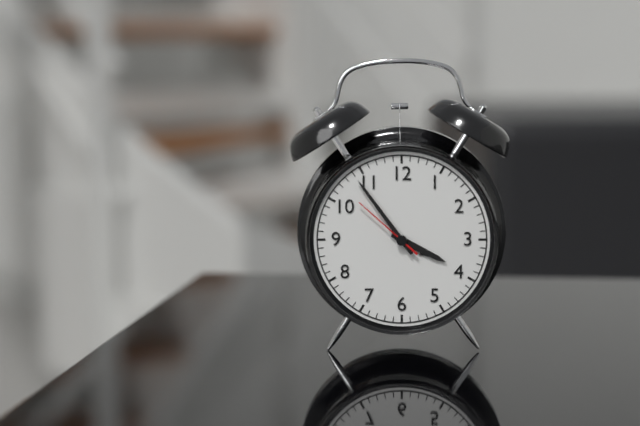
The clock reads {"hour": 3, "minute": 54, "second": 52}
